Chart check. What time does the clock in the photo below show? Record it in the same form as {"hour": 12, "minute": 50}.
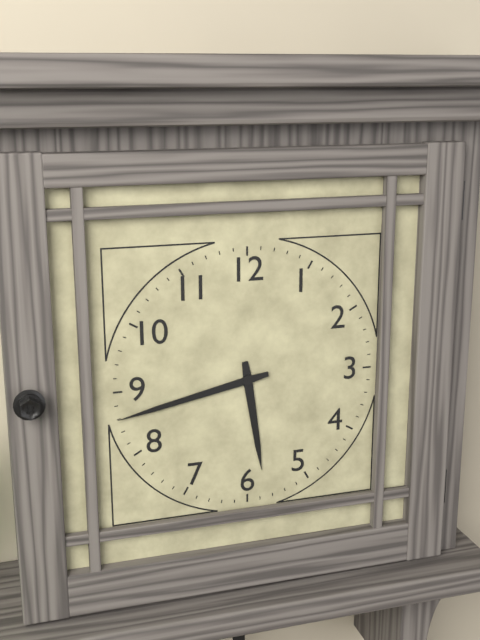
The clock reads {"hour": 5, "minute": 43}
